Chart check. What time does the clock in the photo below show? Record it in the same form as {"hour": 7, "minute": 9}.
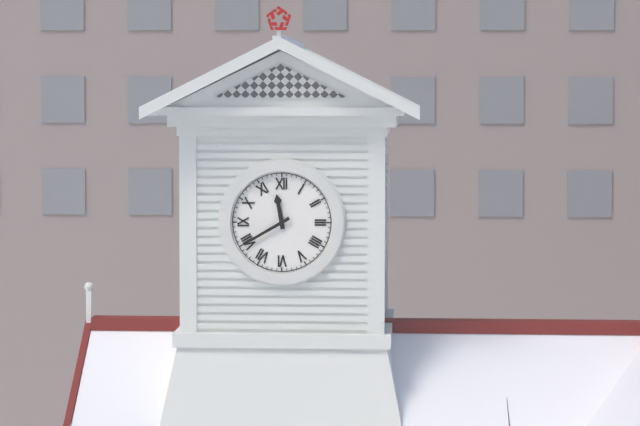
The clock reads {"hour": 11, "minute": 40}
